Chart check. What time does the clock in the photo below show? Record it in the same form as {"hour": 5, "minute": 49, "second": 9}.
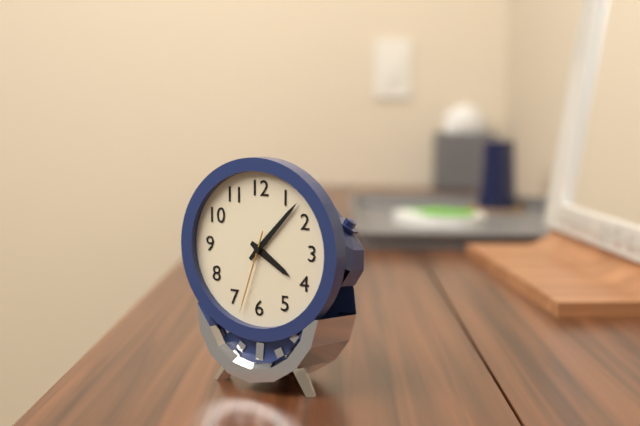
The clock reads {"hour": 4, "minute": 7, "second": 33}
